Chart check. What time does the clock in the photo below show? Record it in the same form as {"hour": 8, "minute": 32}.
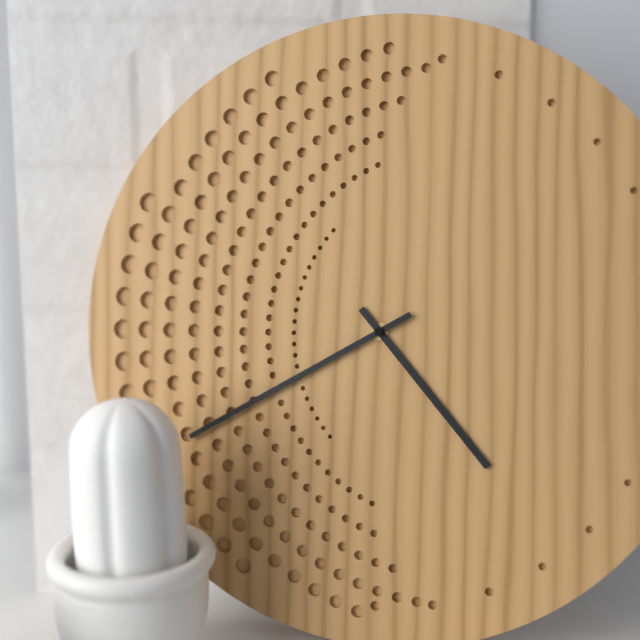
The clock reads {"hour": 4, "minute": 40}
